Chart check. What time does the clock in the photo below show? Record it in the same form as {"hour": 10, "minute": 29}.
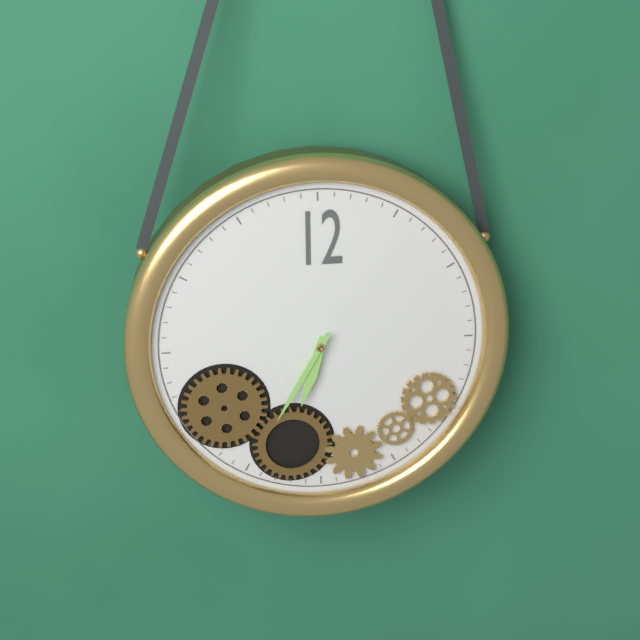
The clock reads {"hour": 6, "minute": 35}
